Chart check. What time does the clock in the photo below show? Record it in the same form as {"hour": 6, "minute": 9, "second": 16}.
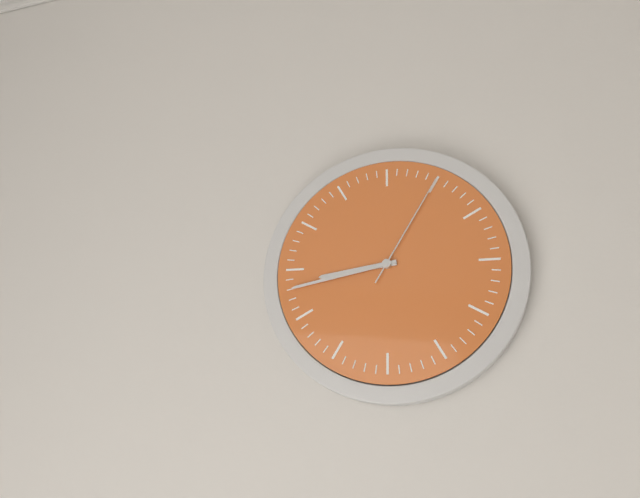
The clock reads {"hour": 8, "minute": 43, "second": 5}
